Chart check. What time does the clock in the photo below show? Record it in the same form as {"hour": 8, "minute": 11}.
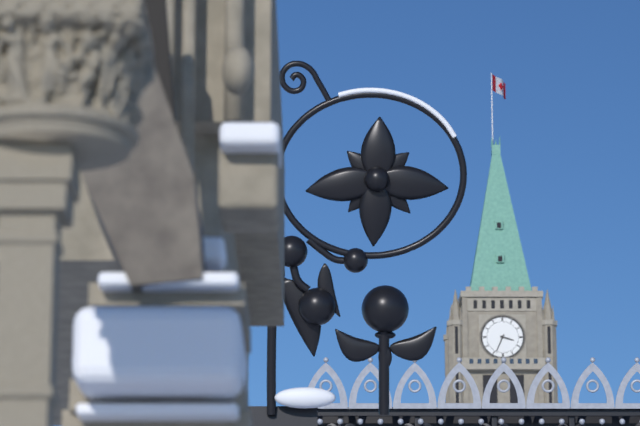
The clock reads {"hour": 3, "minute": 34}
